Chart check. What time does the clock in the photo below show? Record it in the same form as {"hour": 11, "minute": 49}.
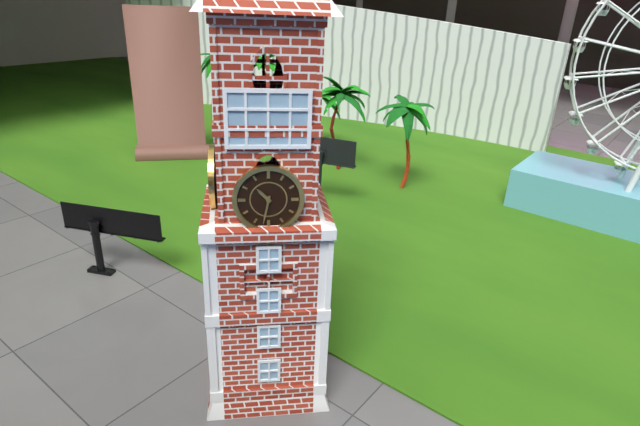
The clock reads {"hour": 10, "minute": 32}
